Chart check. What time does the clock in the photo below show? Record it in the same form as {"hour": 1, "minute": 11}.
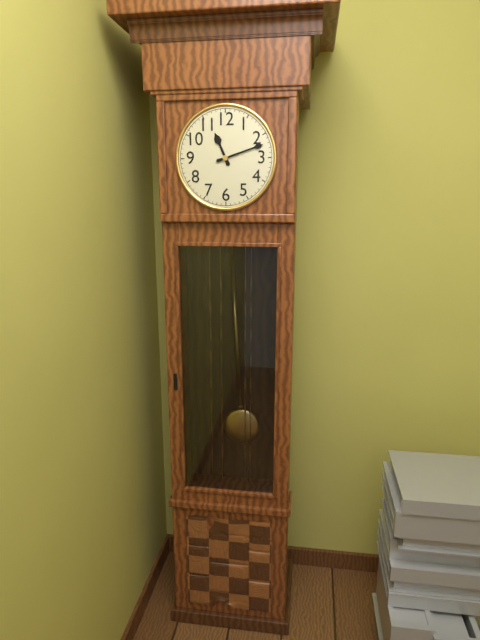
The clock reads {"hour": 11, "minute": 12}
